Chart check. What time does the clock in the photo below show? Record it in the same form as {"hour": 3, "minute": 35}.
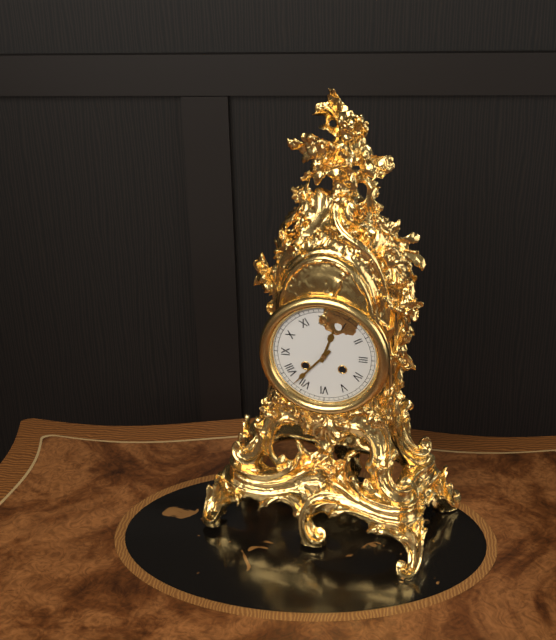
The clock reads {"hour": 12, "minute": 37}
